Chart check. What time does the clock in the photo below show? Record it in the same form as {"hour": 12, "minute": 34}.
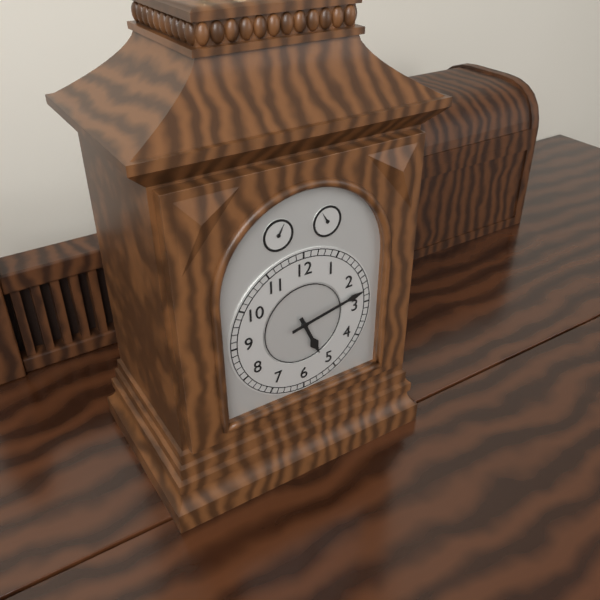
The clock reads {"hour": 5, "minute": 13}
